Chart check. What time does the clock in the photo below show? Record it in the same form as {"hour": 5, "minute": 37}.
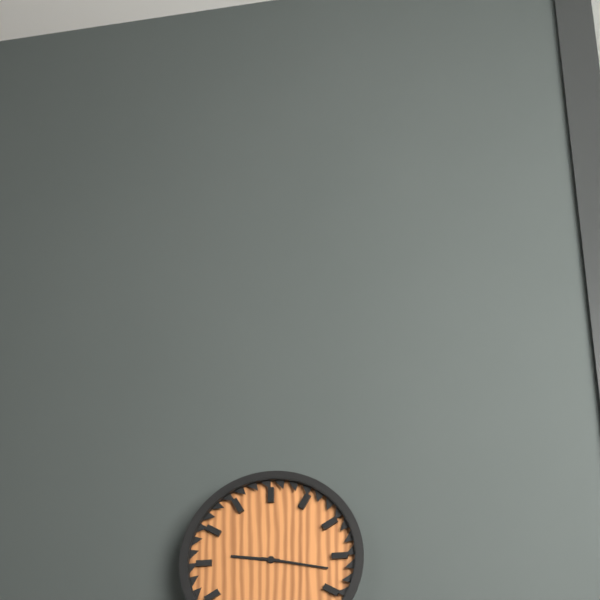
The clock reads {"hour": 9, "minute": 17}
